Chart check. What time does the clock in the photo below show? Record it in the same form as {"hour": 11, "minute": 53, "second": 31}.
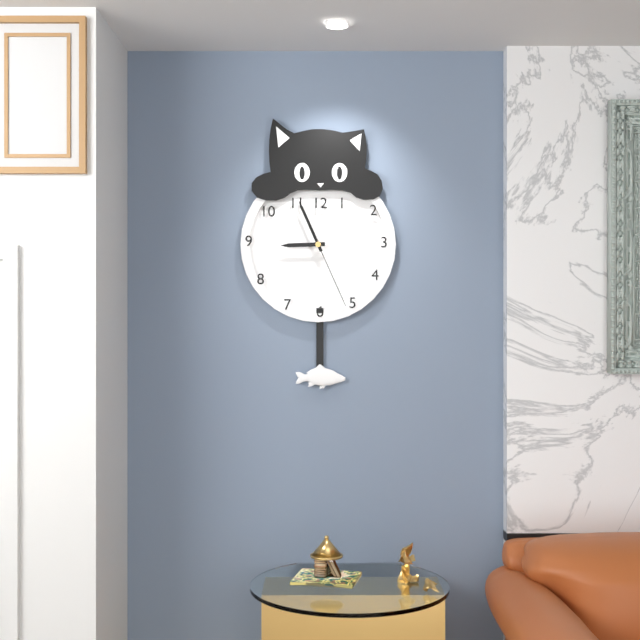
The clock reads {"hour": 8, "minute": 56, "second": 26}
